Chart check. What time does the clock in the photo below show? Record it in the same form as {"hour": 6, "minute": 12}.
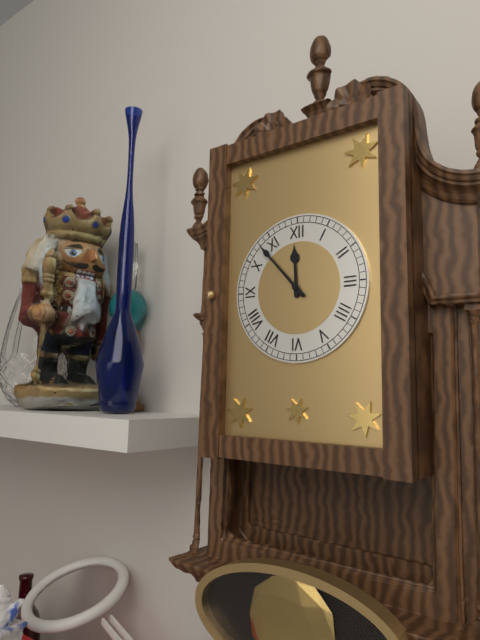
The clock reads {"hour": 11, "minute": 53}
